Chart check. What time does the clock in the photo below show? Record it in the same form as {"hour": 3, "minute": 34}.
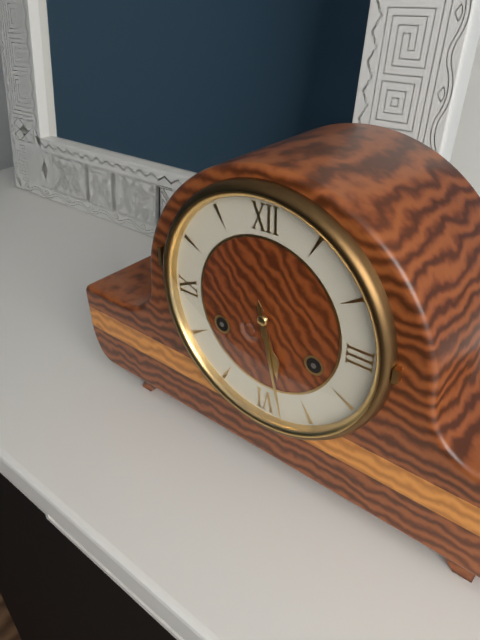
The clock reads {"hour": 5, "minute": 28}
